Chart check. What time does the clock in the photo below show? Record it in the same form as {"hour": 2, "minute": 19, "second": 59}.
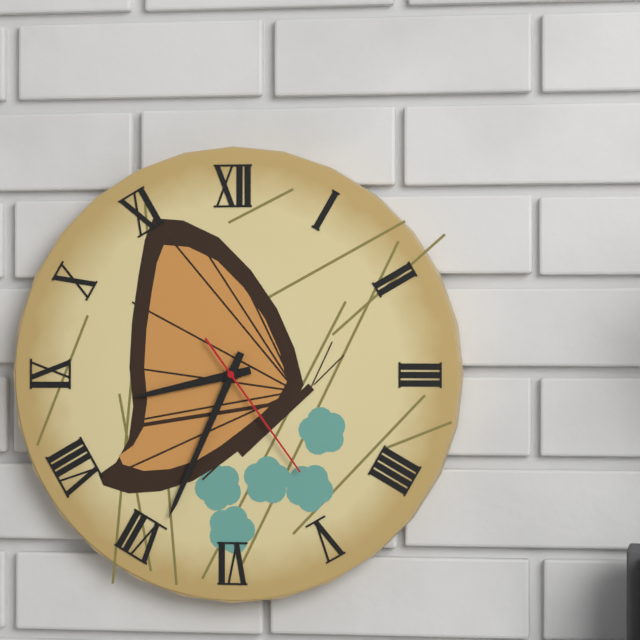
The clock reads {"hour": 8, "minute": 34, "second": 24}
